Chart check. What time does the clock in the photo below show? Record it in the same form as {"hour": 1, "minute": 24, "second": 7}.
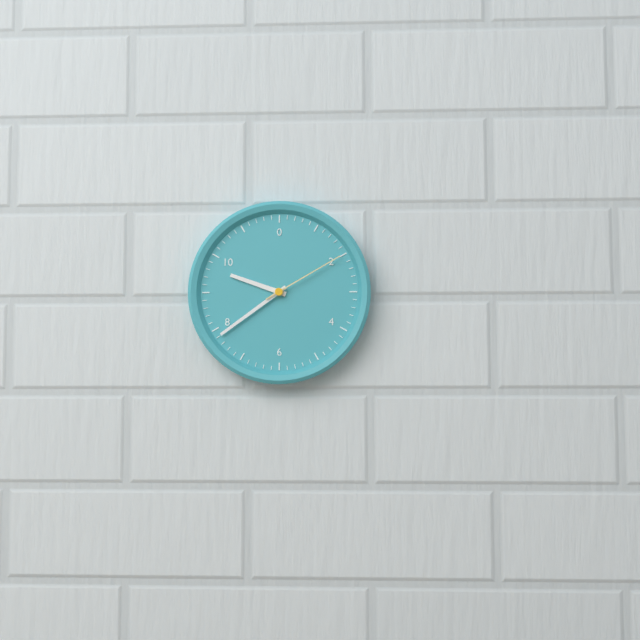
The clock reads {"hour": 9, "minute": 39, "second": 10}
